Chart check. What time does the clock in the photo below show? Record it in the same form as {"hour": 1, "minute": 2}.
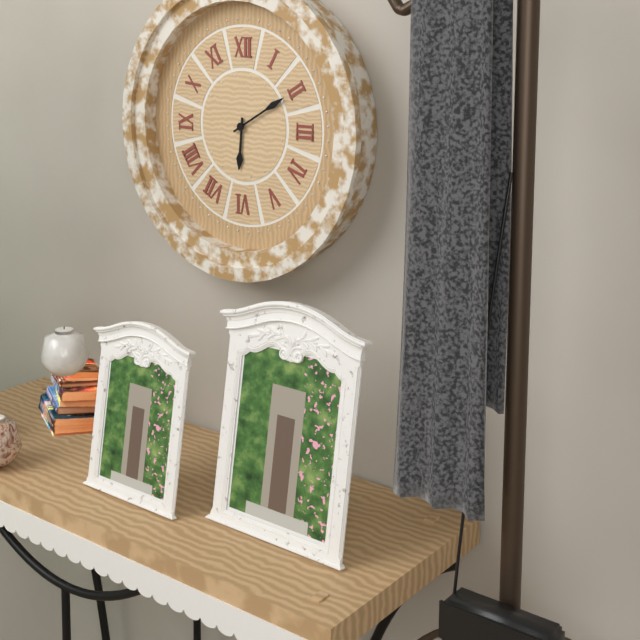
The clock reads {"hour": 6, "minute": 10}
